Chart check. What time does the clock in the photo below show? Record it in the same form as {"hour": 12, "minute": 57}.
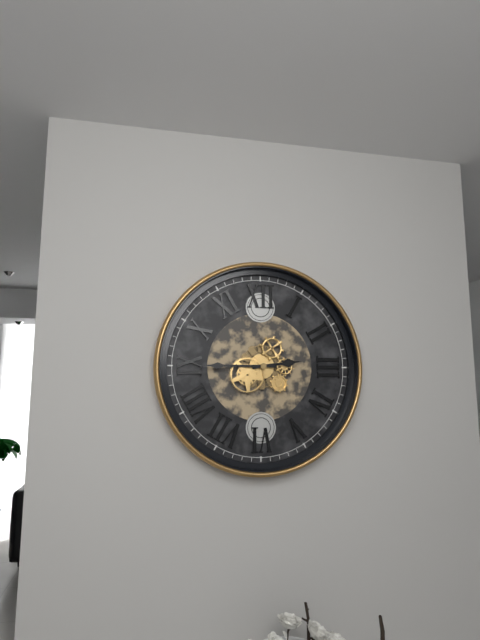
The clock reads {"hour": 2, "minute": 45}
